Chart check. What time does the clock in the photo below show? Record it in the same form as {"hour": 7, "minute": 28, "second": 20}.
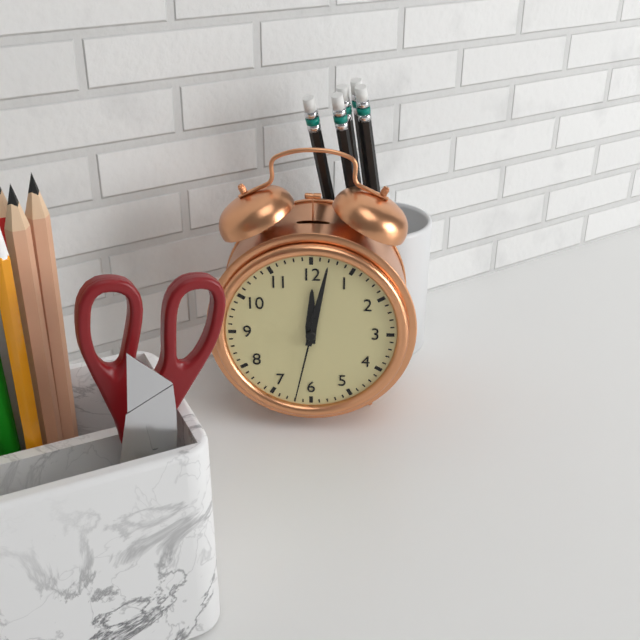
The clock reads {"hour": 12, "minute": 2, "second": 32}
